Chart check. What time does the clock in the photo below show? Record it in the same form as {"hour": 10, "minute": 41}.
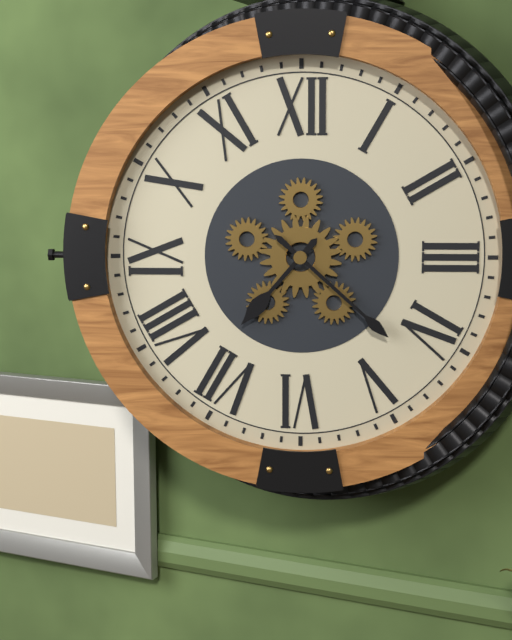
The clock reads {"hour": 7, "minute": 22}
